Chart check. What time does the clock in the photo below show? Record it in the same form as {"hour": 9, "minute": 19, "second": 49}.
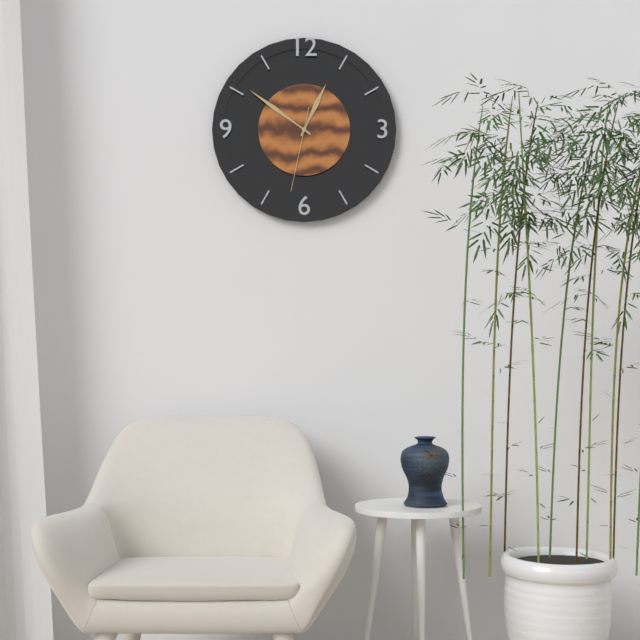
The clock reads {"hour": 12, "minute": 51, "second": 32}
